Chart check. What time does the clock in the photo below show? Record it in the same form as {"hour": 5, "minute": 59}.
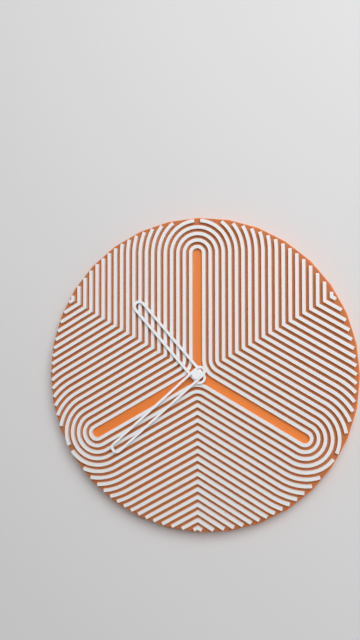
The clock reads {"hour": 10, "minute": 38}
